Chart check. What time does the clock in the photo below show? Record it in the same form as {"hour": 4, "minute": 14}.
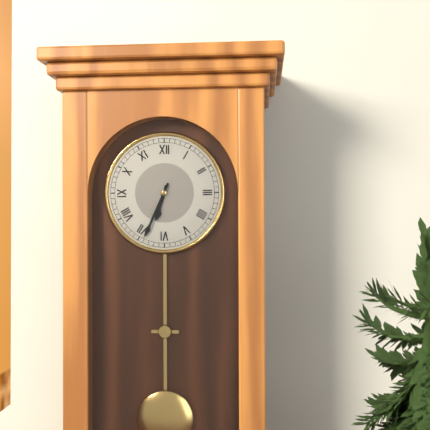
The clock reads {"hour": 6, "minute": 34}
